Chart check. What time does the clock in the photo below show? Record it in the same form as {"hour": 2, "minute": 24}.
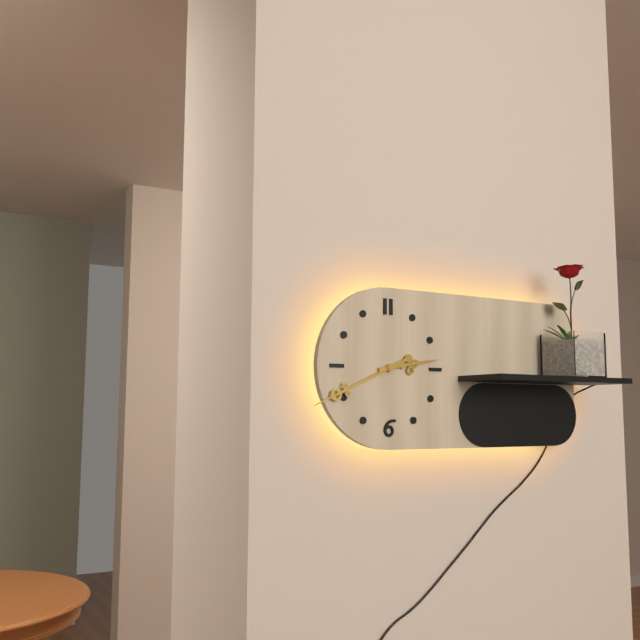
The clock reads {"hour": 2, "minute": 41}
